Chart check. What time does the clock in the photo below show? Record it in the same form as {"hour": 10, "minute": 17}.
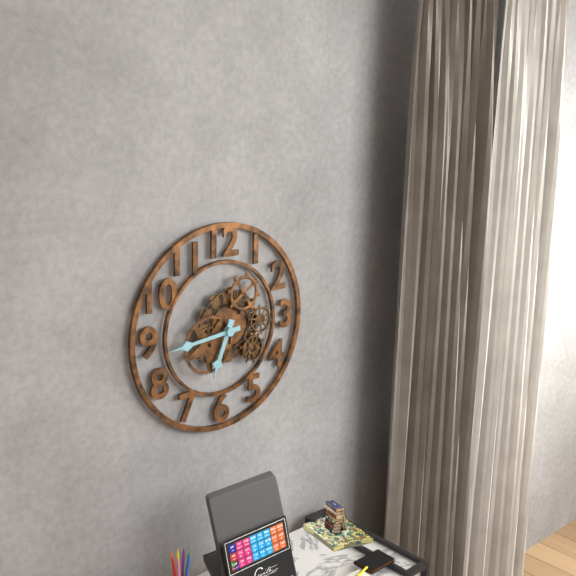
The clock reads {"hour": 6, "minute": 44}
